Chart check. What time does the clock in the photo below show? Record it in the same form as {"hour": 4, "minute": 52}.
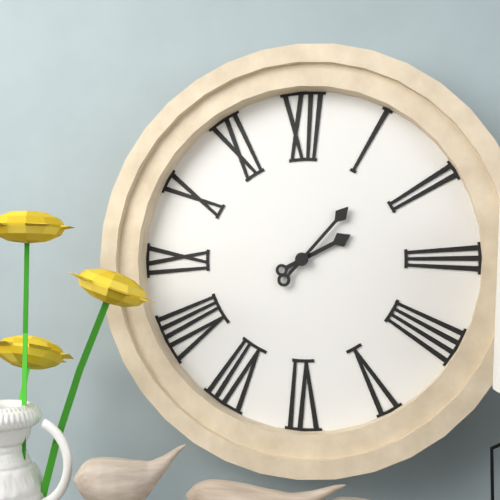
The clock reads {"hour": 2, "minute": 7}
